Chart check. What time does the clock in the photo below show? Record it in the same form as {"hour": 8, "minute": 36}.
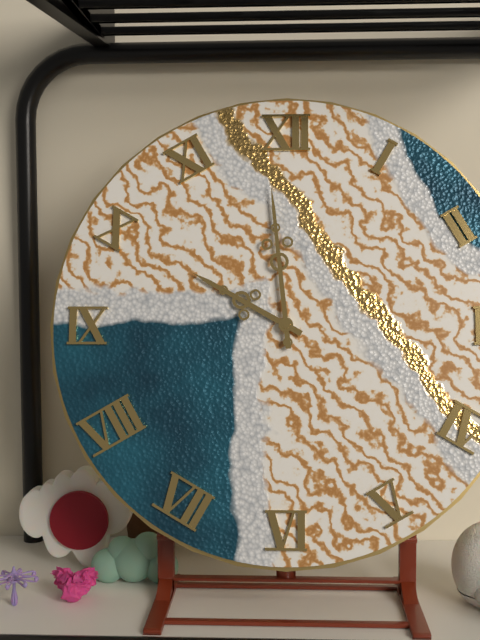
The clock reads {"hour": 9, "minute": 59}
